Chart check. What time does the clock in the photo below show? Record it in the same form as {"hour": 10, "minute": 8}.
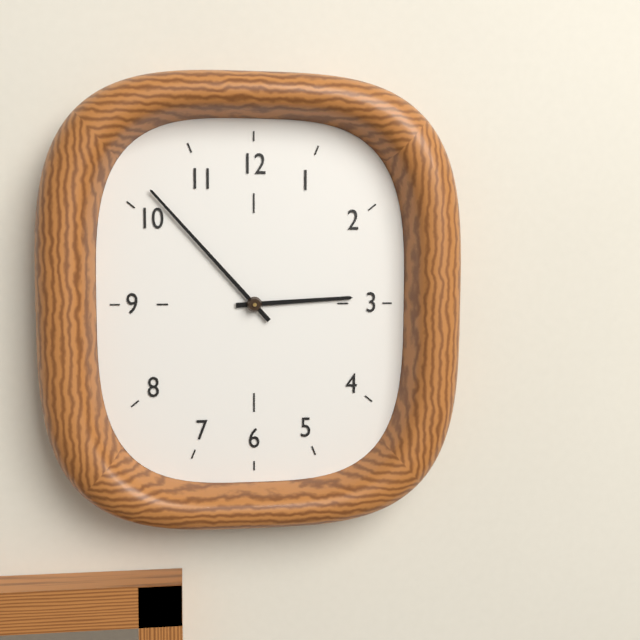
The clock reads {"hour": 2, "minute": 53}
